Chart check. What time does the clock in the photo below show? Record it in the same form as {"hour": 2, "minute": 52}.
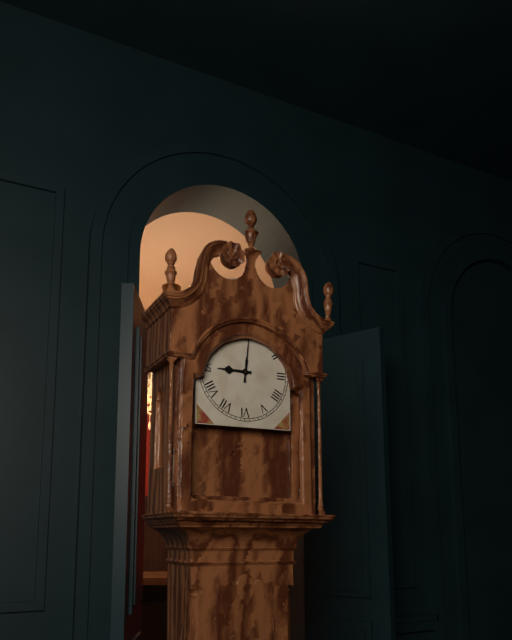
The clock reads {"hour": 9, "minute": 1}
